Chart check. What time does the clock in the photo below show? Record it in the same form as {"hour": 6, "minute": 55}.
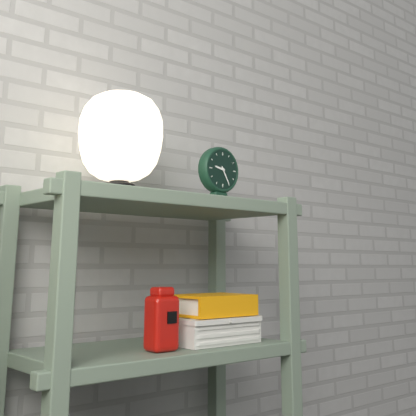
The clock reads {"hour": 9, "minute": 25}
